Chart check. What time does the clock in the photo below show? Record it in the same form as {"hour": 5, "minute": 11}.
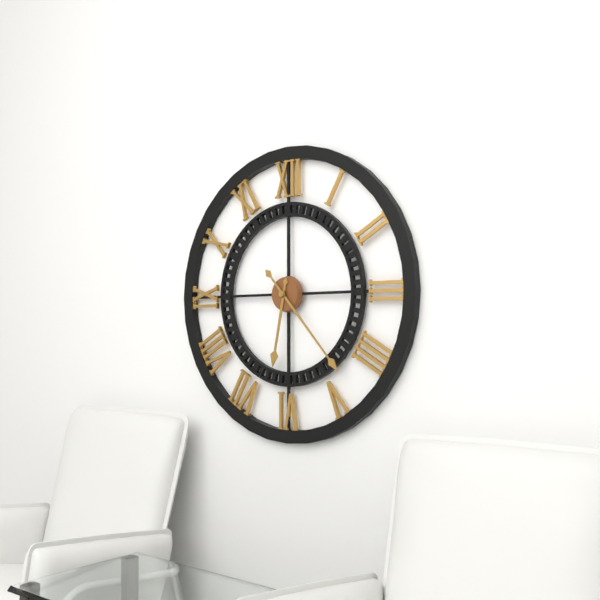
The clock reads {"hour": 6, "minute": 23}
